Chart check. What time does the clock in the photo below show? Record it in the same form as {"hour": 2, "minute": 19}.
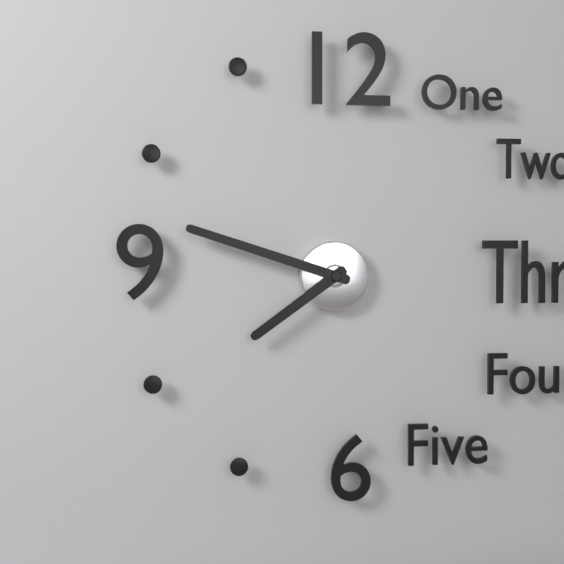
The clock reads {"hour": 7, "minute": 48}
